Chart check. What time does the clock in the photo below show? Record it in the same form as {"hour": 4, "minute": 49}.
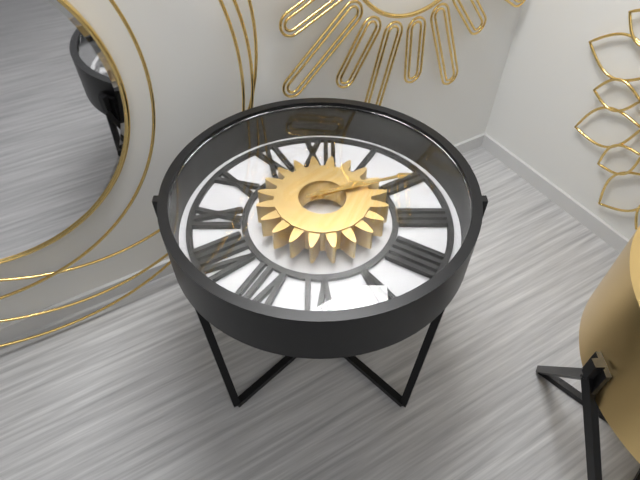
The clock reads {"hour": 2, "minute": 12}
